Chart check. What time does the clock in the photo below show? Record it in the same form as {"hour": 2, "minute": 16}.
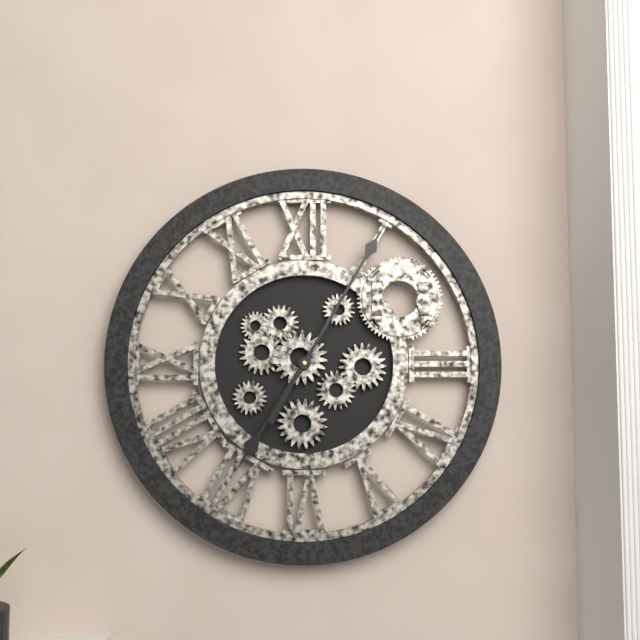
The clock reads {"hour": 7, "minute": 5}
